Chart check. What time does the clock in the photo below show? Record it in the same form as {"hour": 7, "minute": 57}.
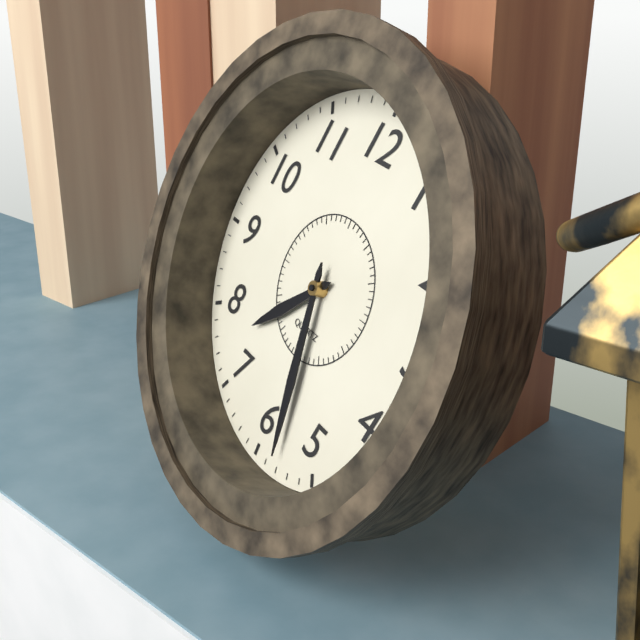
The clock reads {"hour": 7, "minute": 28}
